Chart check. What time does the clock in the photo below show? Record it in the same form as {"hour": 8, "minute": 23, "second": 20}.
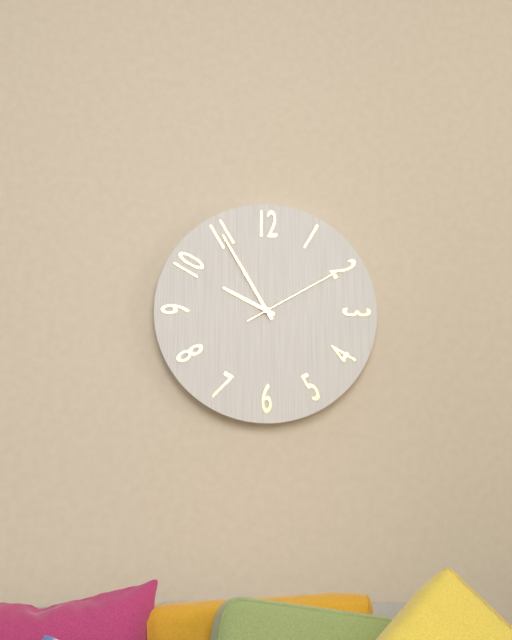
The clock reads {"hour": 9, "minute": 55, "second": 10}
